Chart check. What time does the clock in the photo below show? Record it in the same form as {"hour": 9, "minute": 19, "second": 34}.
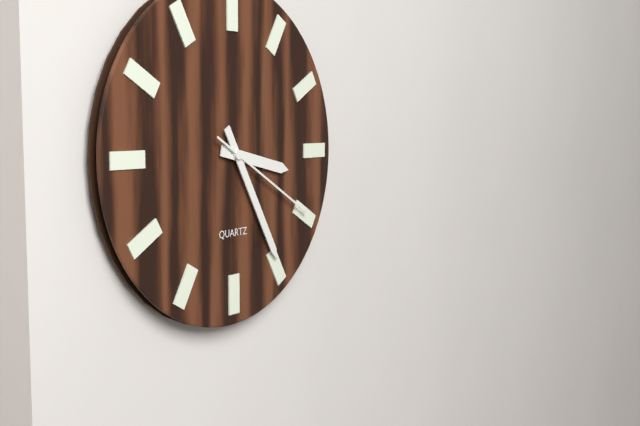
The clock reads {"hour": 3, "minute": 25, "second": 20}
